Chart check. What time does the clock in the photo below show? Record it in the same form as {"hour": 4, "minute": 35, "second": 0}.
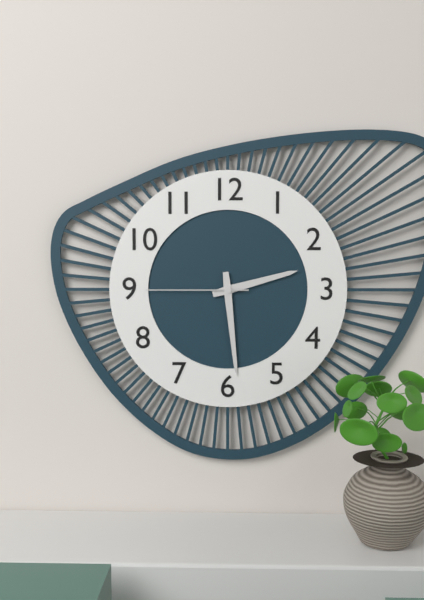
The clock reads {"hour": 2, "minute": 29, "second": 45}
